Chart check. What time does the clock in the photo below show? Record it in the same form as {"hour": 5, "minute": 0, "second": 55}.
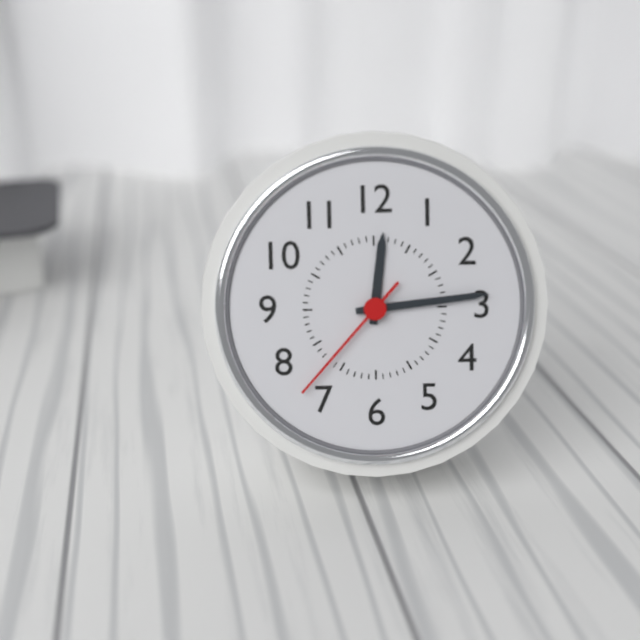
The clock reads {"hour": 12, "minute": 14, "second": 37}
